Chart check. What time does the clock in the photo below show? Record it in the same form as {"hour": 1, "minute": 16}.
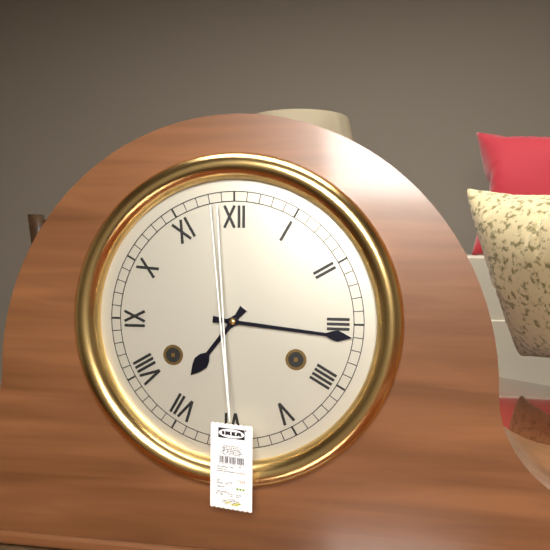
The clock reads {"hour": 7, "minute": 16}
